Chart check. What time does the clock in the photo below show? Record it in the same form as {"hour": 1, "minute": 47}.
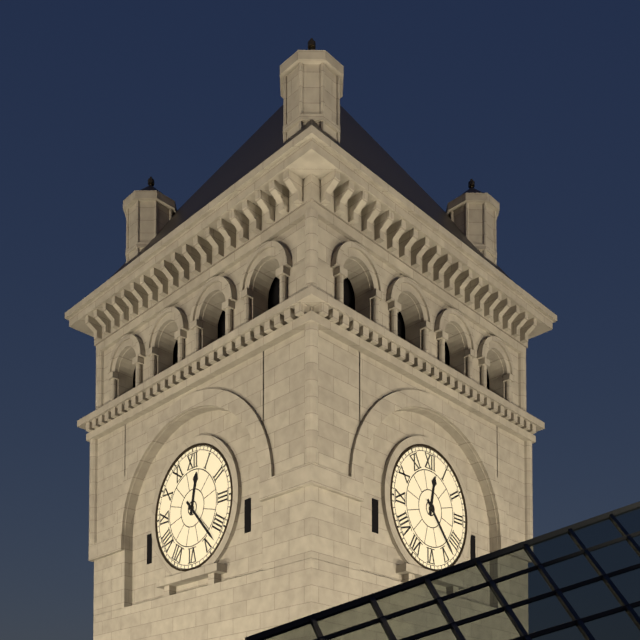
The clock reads {"hour": 12, "minute": 23}
